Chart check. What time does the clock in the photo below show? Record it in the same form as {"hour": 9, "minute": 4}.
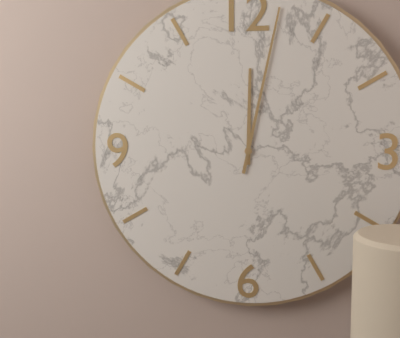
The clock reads {"hour": 12, "minute": 2}
